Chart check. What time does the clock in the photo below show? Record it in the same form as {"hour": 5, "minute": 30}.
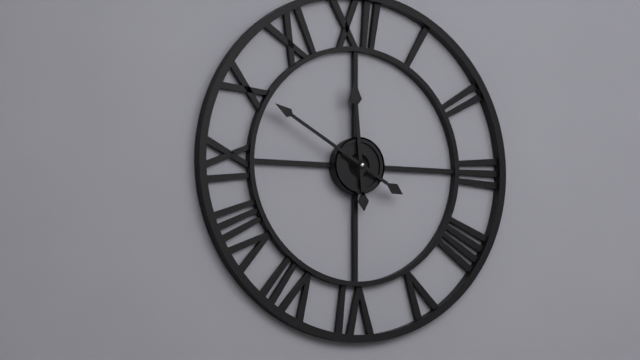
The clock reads {"hour": 11, "minute": 50}
